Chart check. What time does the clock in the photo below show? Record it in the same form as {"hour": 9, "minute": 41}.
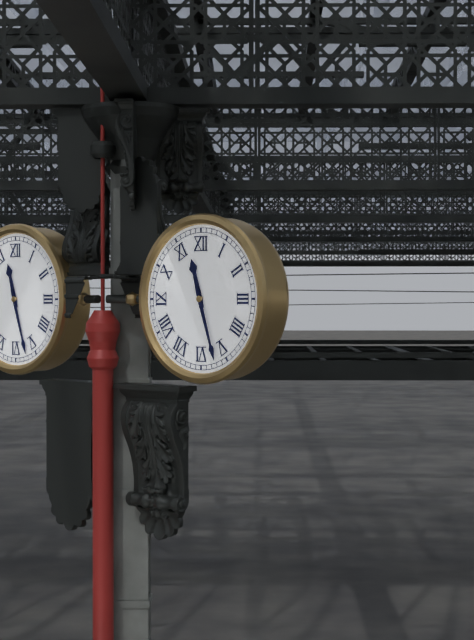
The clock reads {"hour": 11, "minute": 27}
